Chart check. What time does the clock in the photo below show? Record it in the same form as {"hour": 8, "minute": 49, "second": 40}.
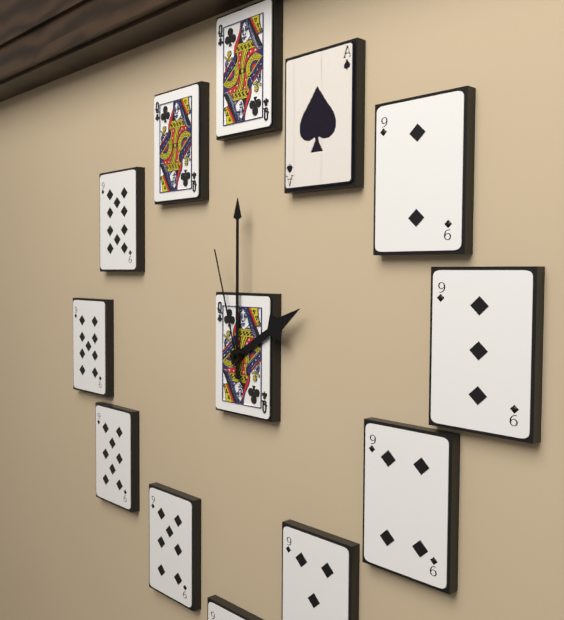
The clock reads {"hour": 2, "minute": 0, "second": 57}
